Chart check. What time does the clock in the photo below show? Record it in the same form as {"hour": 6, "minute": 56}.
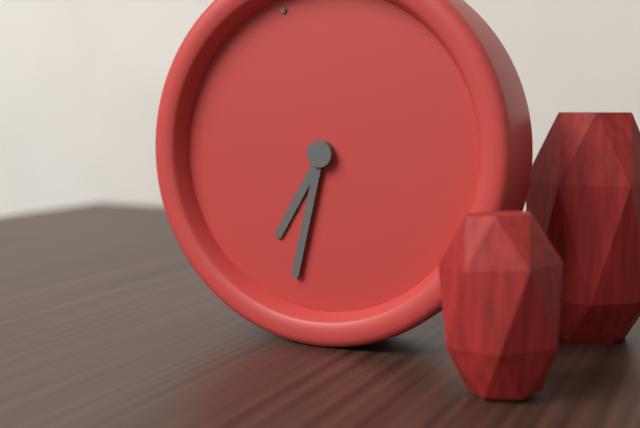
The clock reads {"hour": 7, "minute": 35}
